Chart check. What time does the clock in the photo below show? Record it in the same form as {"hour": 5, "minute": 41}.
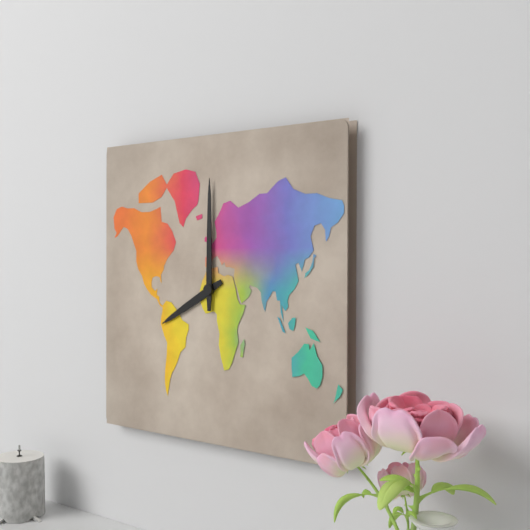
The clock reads {"hour": 8, "minute": 0}
